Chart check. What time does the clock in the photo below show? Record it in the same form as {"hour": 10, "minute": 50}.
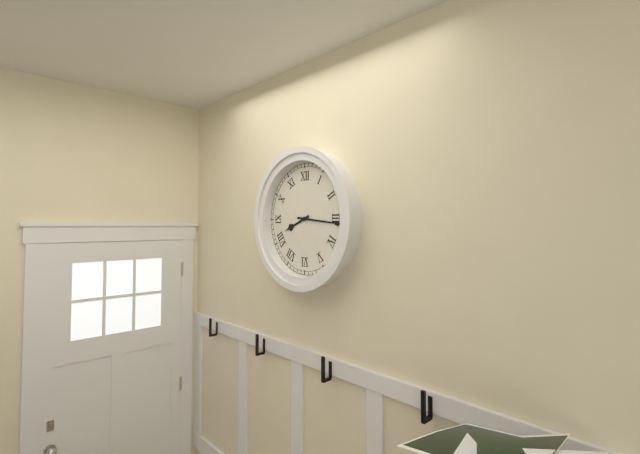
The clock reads {"hour": 8, "minute": 16}
